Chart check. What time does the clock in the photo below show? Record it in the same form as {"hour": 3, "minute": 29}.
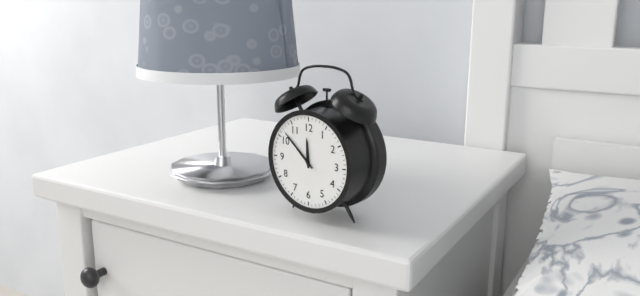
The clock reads {"hour": 11, "minute": 52}
